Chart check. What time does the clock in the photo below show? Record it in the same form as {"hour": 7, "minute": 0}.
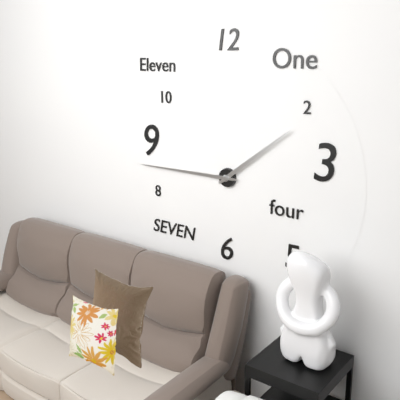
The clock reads {"hour": 1, "minute": 45}
